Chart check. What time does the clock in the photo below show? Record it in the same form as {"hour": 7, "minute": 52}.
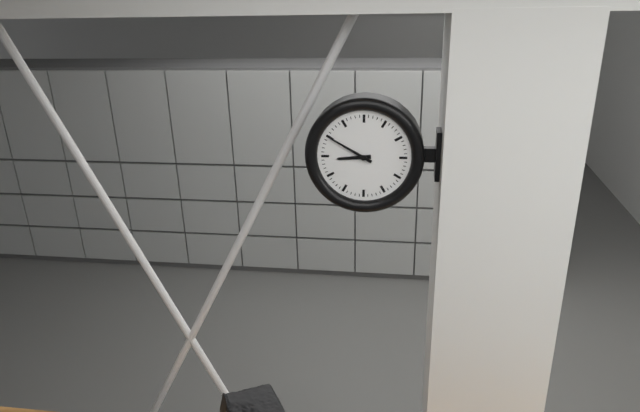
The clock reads {"hour": 8, "minute": 50}
